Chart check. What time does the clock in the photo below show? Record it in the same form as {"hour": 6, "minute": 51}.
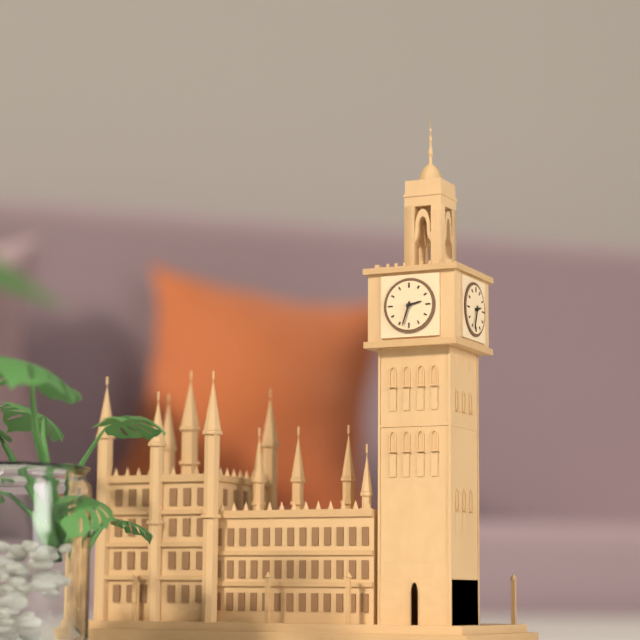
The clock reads {"hour": 2, "minute": 33}
